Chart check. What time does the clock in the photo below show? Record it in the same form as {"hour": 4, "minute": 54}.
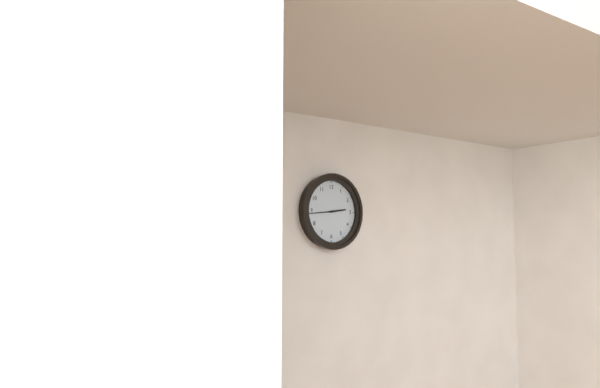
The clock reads {"hour": 2, "minute": 44}
